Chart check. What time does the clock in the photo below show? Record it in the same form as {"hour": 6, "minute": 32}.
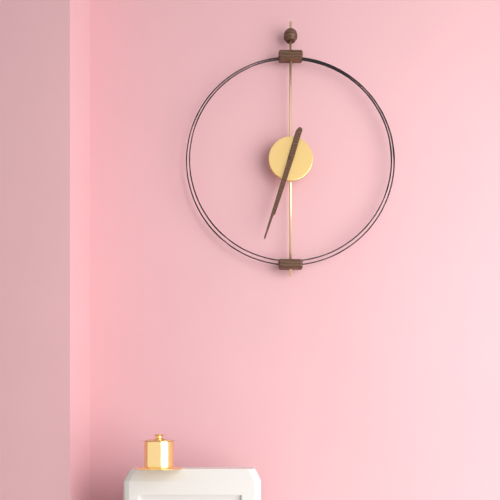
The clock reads {"hour": 6, "minute": 33}
